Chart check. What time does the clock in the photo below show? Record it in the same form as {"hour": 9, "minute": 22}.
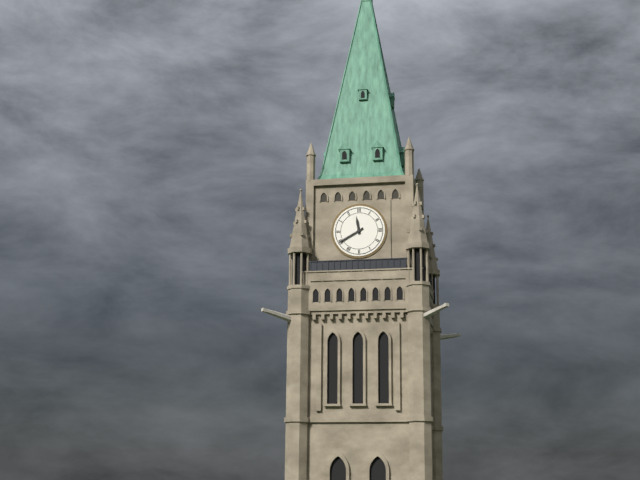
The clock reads {"hour": 11, "minute": 40}
